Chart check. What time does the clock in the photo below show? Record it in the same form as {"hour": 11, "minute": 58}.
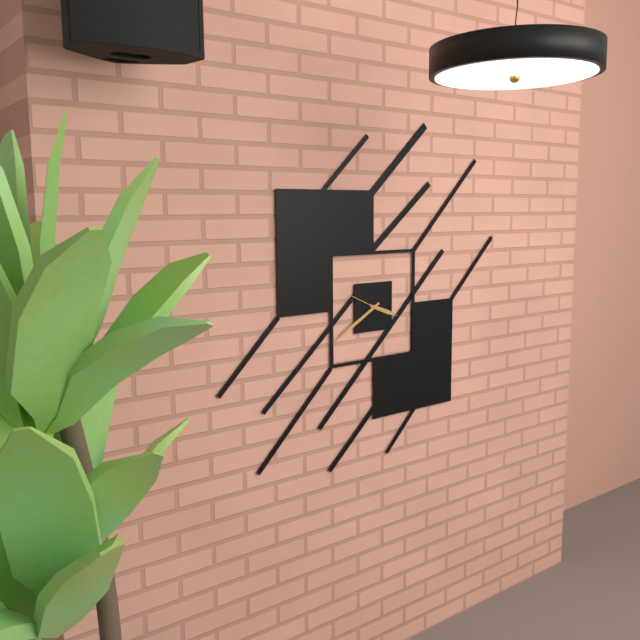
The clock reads {"hour": 3, "minute": 40}
